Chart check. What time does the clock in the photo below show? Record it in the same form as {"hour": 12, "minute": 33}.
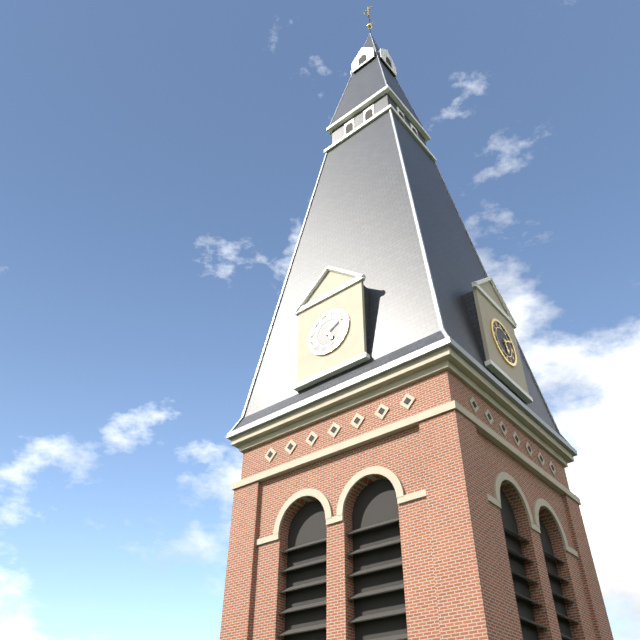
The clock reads {"hour": 5, "minute": 10}
